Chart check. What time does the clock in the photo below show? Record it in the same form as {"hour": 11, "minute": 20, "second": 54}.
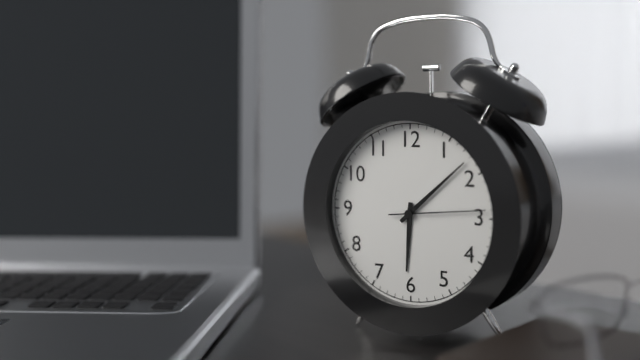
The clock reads {"hour": 6, "minute": 8, "second": 14}
